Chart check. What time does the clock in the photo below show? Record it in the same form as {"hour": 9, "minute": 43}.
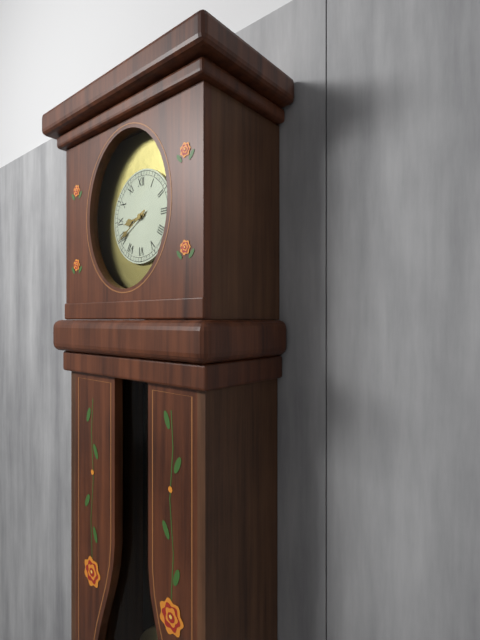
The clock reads {"hour": 8, "minute": 40}
